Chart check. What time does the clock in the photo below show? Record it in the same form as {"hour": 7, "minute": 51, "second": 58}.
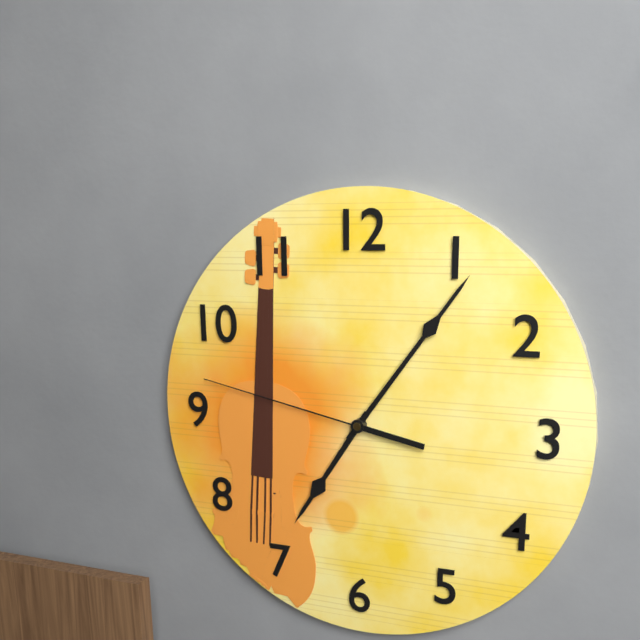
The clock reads {"hour": 7, "minute": 6, "second": 47}
